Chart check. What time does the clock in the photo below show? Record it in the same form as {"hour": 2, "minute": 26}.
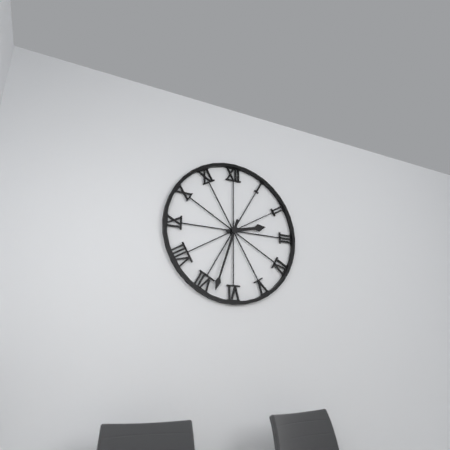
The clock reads {"hour": 2, "minute": 33}
